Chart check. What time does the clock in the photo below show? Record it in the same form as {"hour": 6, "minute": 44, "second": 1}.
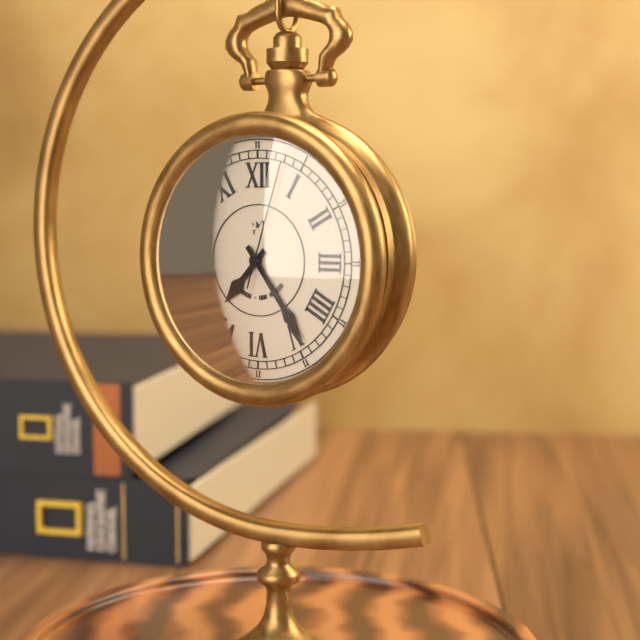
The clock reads {"hour": 7, "minute": 24, "second": 3}
